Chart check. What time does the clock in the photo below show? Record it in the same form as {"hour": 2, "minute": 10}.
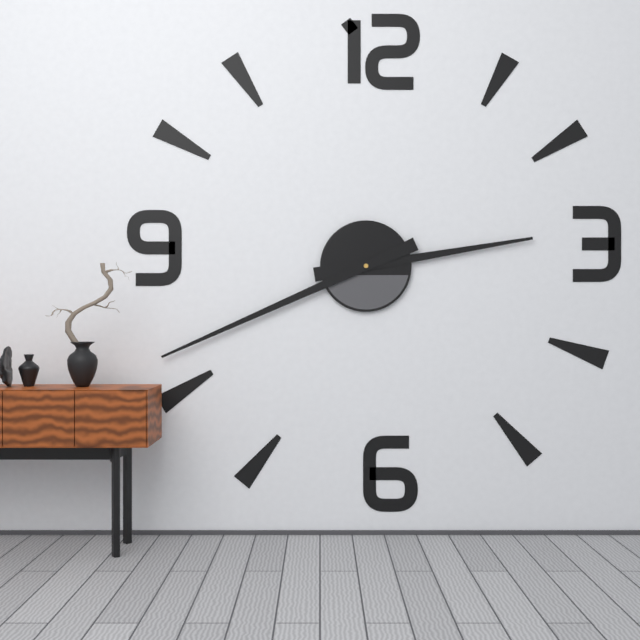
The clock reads {"hour": 2, "minute": 41}
